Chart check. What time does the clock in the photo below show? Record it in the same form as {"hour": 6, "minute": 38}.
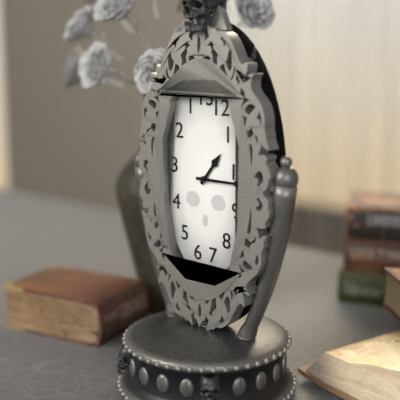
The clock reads {"hour": 1, "minute": 15}
